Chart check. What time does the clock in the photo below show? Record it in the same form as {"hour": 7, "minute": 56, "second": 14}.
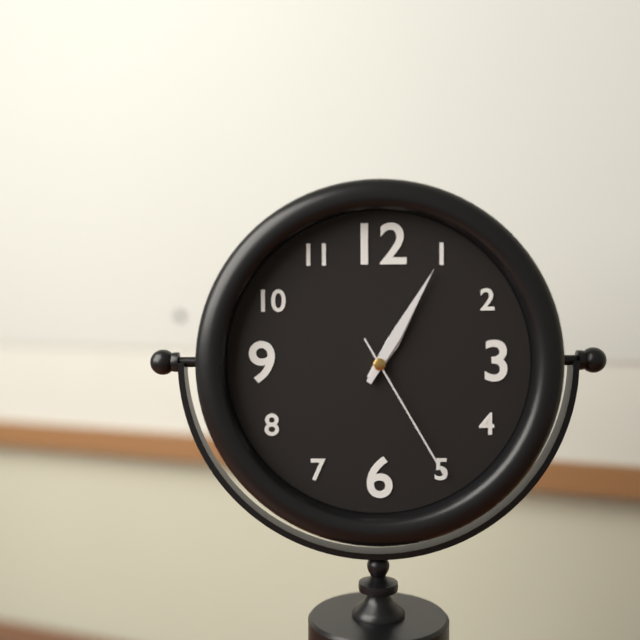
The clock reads {"hour": 1, "minute": 5, "second": 25}
